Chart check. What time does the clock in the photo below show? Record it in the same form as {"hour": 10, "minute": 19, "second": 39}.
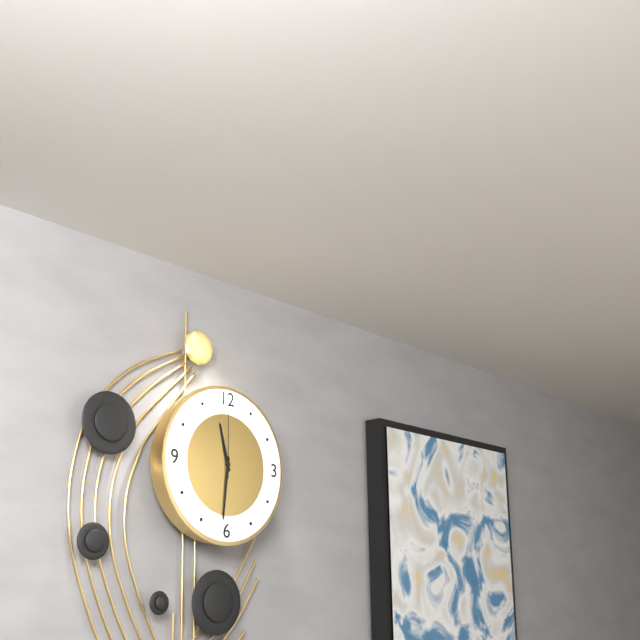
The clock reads {"hour": 11, "minute": 31, "second": 0}
